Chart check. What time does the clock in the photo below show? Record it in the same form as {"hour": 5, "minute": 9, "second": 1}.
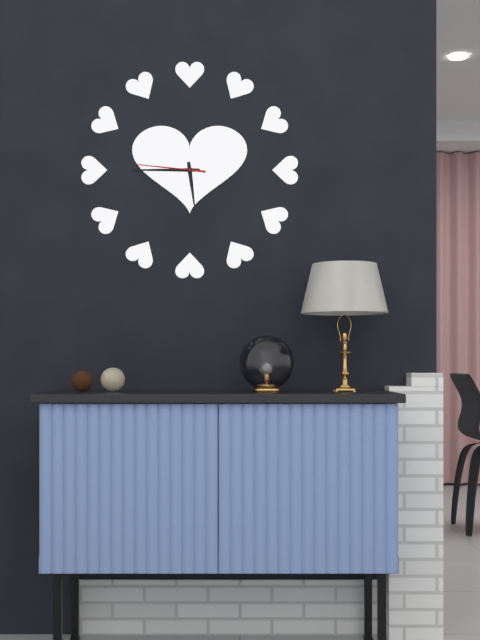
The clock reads {"hour": 5, "minute": 45, "second": 46}
